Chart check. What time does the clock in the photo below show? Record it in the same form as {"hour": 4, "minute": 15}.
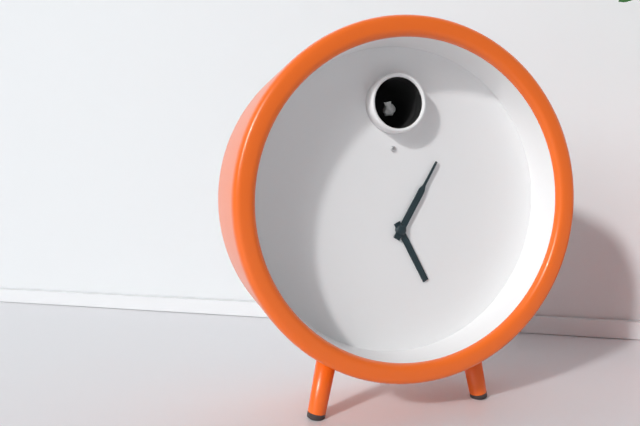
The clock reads {"hour": 5, "minute": 5}
